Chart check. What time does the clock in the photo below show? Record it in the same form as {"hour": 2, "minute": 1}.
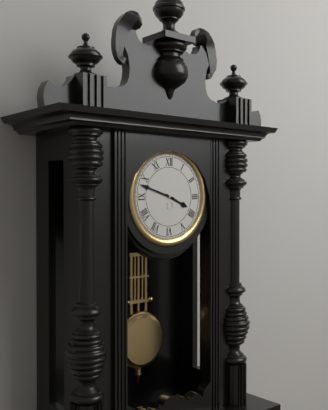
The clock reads {"hour": 3, "minute": 48}
